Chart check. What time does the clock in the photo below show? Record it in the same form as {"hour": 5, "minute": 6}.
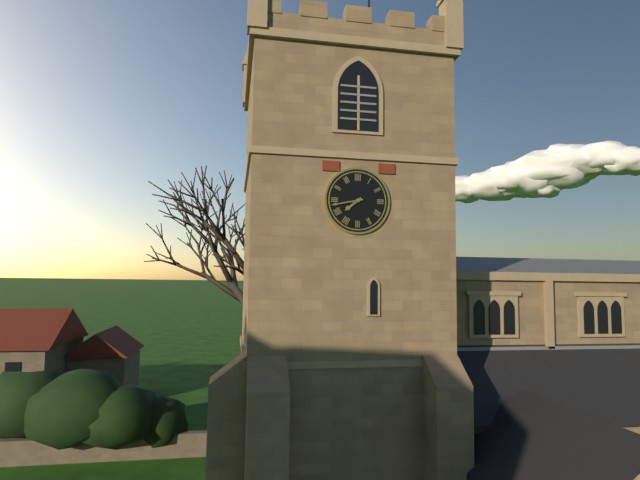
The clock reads {"hour": 7, "minute": 43}
